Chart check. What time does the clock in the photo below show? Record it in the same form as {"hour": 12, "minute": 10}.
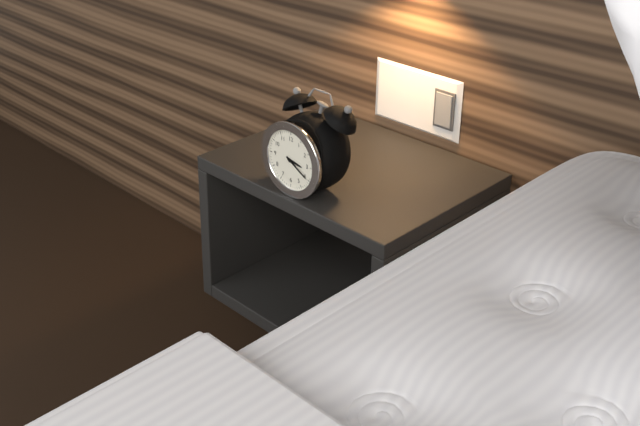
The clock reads {"hour": 3, "minute": 20}
